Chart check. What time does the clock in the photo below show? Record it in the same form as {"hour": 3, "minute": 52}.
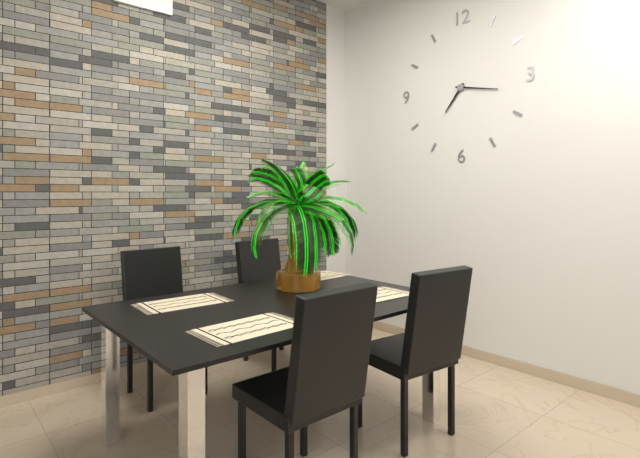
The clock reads {"hour": 7, "minute": 17}
